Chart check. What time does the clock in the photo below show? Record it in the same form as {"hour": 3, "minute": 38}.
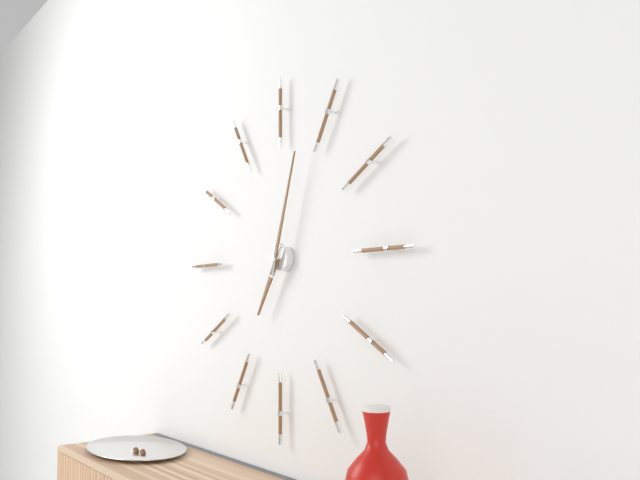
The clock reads {"hour": 7, "minute": 3}
